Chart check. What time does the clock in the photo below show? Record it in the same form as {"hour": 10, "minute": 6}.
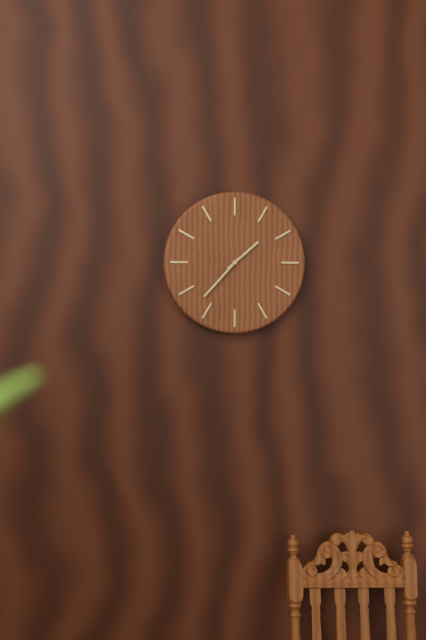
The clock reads {"hour": 1, "minute": 37}
